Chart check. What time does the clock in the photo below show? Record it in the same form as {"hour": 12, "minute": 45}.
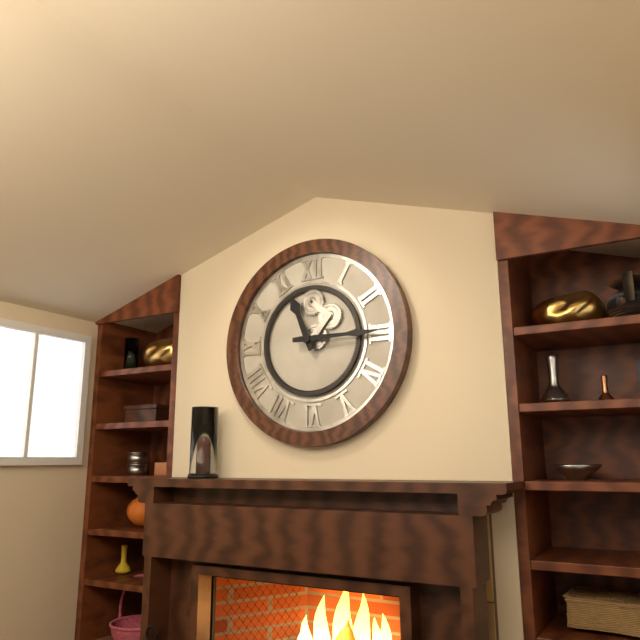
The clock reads {"hour": 11, "minute": 15}
